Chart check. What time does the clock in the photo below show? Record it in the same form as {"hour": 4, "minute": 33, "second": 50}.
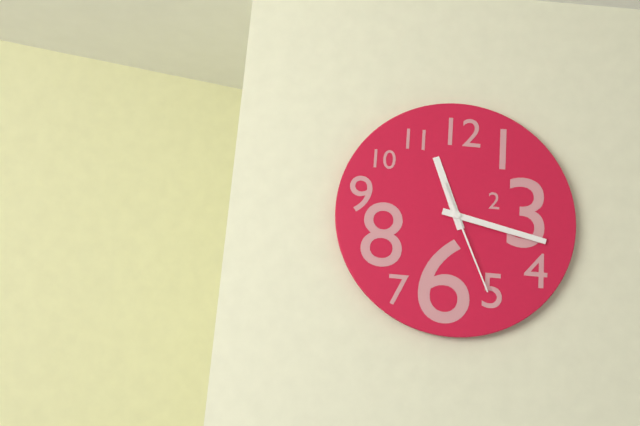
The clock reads {"hour": 11, "minute": 17, "second": 26}
